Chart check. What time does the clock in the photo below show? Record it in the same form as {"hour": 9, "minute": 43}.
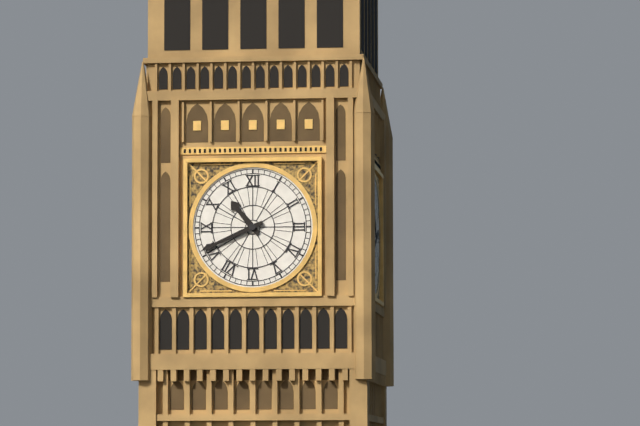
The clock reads {"hour": 10, "minute": 41}
